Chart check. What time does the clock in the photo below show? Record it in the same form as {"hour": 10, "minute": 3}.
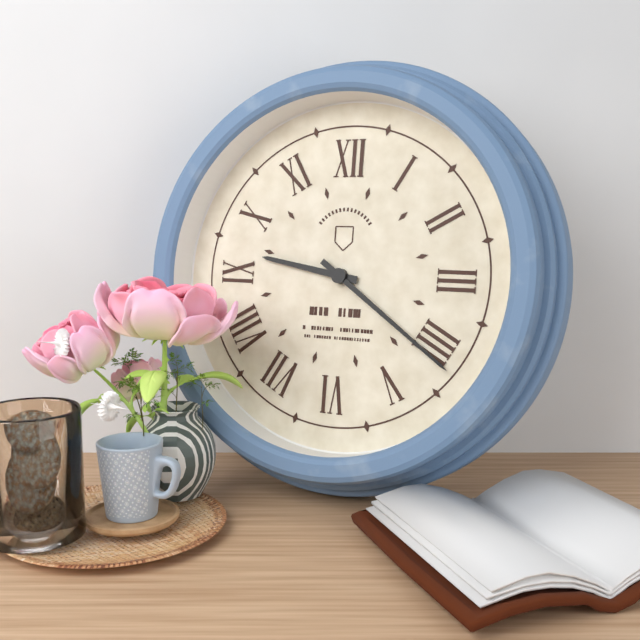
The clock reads {"hour": 9, "minute": 21}
